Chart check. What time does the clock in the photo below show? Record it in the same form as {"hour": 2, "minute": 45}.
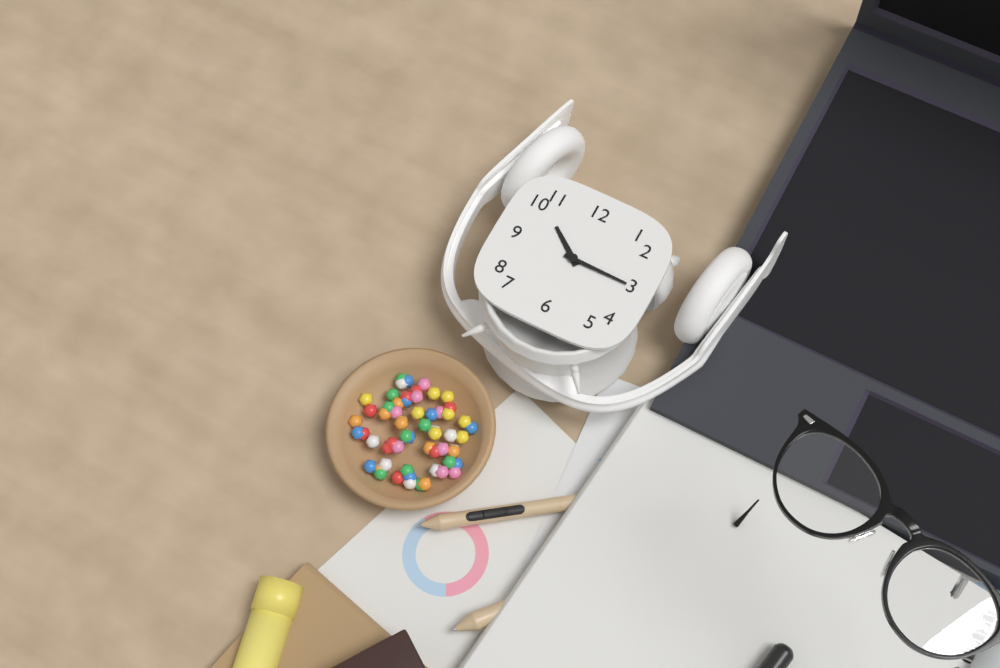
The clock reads {"hour": 10, "minute": 15}
